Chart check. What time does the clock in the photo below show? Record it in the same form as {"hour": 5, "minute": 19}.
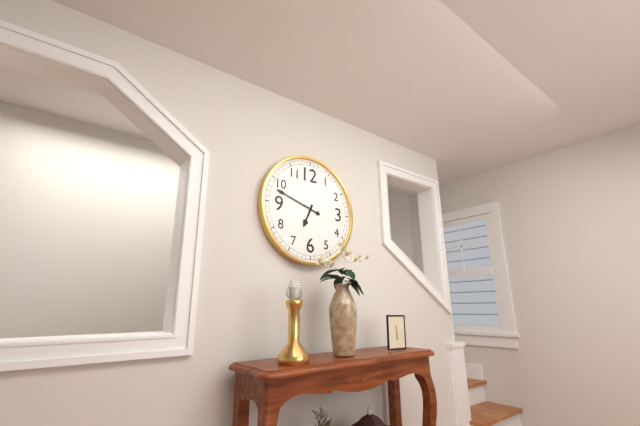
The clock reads {"hour": 6, "minute": 48}
